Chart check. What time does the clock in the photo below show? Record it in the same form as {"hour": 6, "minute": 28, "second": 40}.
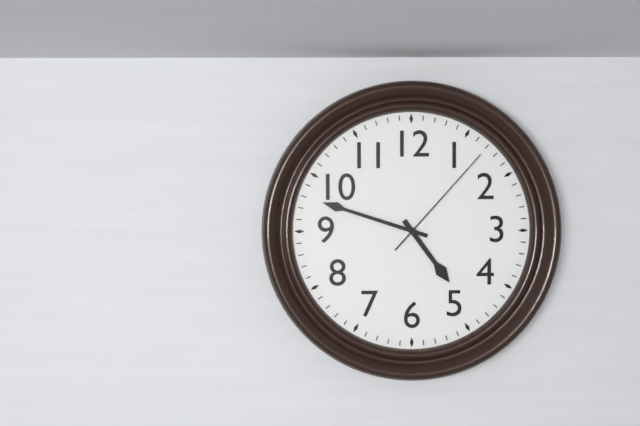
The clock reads {"hour": 4, "minute": 48, "second": 7}
